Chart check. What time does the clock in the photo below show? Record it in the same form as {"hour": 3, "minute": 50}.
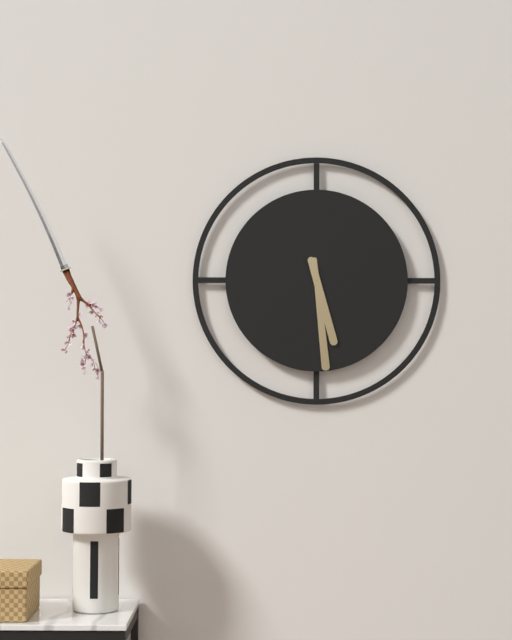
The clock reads {"hour": 5, "minute": 29}
